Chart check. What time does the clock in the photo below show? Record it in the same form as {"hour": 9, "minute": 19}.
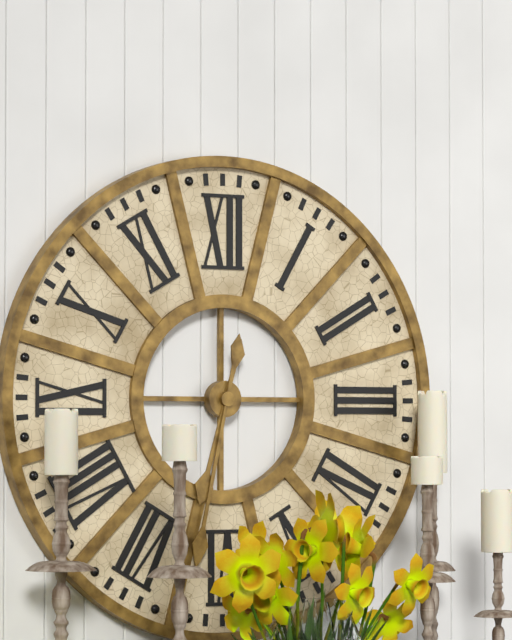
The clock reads {"hour": 6, "minute": 32}
